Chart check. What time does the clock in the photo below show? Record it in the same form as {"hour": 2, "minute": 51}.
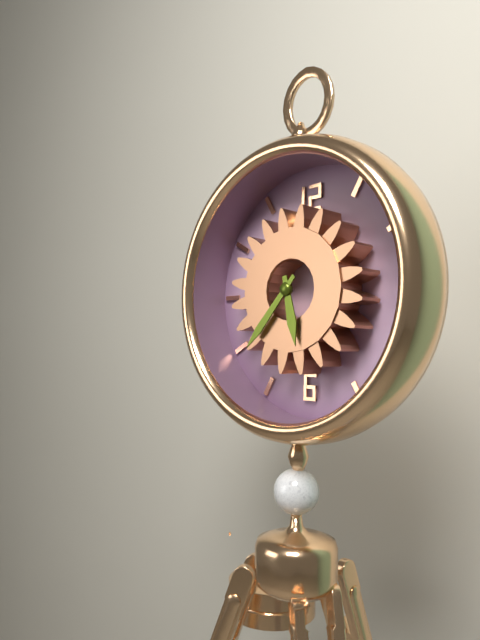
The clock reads {"hour": 5, "minute": 37}
